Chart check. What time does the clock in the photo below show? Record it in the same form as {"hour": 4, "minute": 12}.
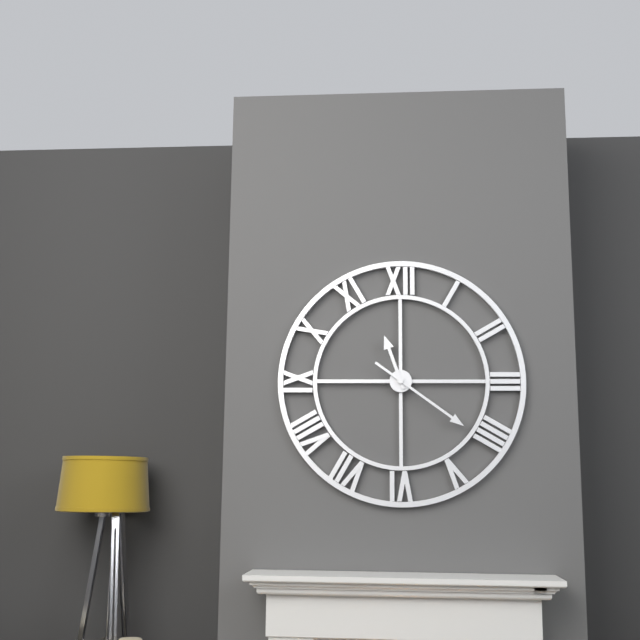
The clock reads {"hour": 11, "minute": 21}
